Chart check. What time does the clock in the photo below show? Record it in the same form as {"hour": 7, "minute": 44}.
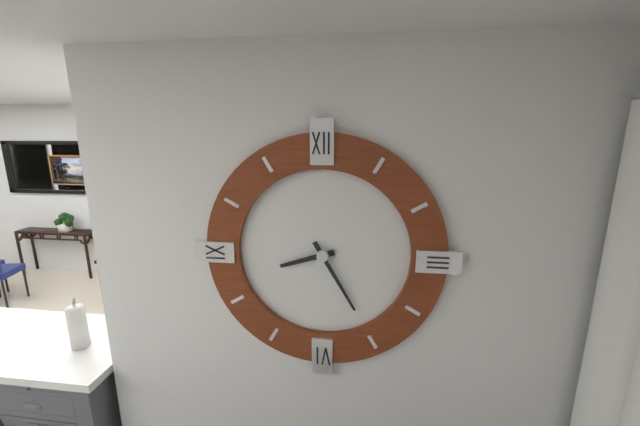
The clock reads {"hour": 8, "minute": 25}
